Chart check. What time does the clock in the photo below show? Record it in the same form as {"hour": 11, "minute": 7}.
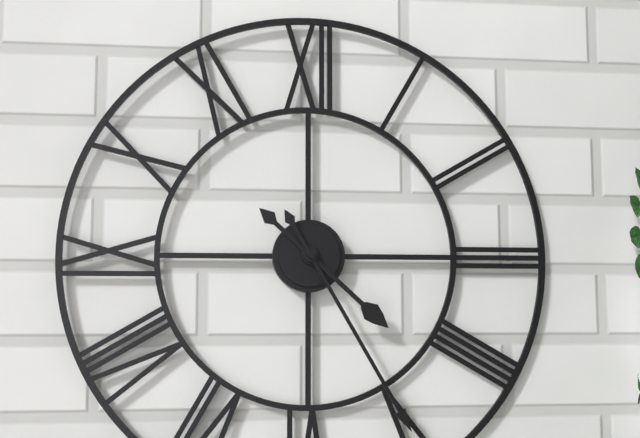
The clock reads {"hour": 4, "minute": 25}
